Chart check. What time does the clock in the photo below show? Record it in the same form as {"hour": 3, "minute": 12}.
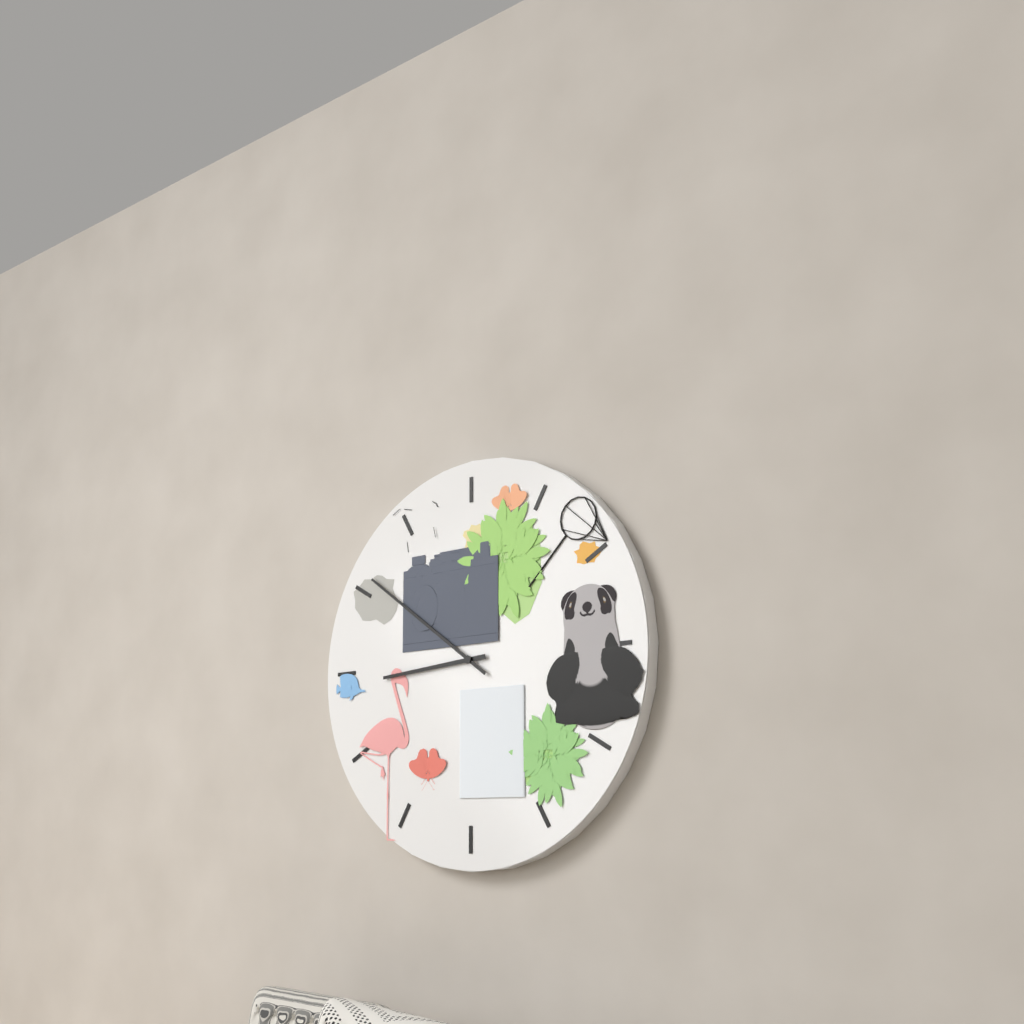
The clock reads {"hour": 8, "minute": 51}
